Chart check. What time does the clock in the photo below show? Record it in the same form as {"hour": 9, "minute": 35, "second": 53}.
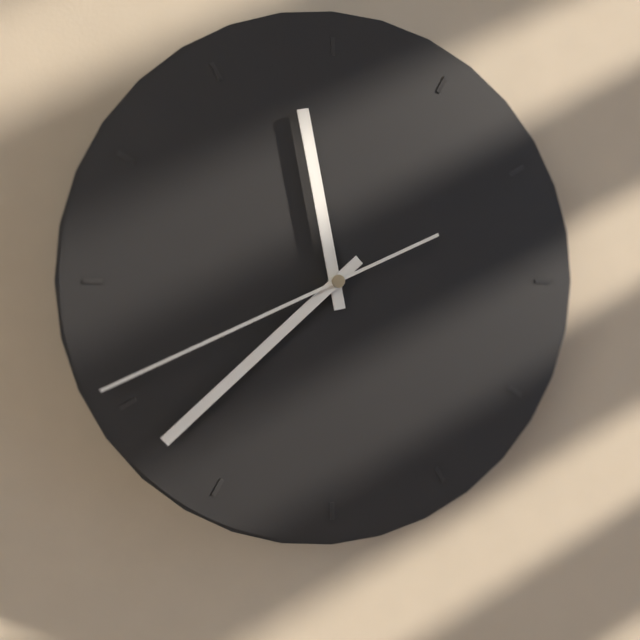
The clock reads {"hour": 11, "minute": 38, "second": 41}
